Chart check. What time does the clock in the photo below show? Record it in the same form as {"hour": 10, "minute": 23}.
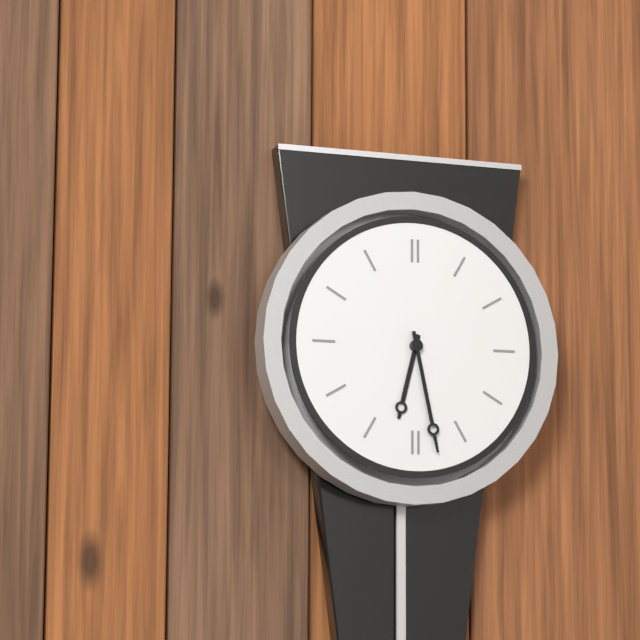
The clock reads {"hour": 6, "minute": 28}
